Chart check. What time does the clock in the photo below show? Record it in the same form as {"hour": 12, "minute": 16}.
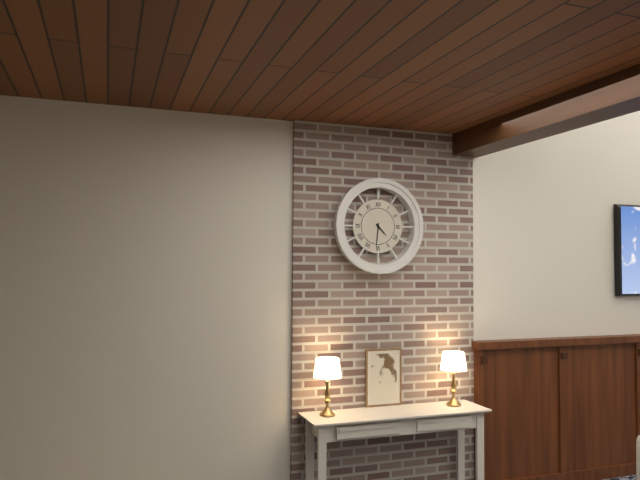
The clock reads {"hour": 4, "minute": 31}
